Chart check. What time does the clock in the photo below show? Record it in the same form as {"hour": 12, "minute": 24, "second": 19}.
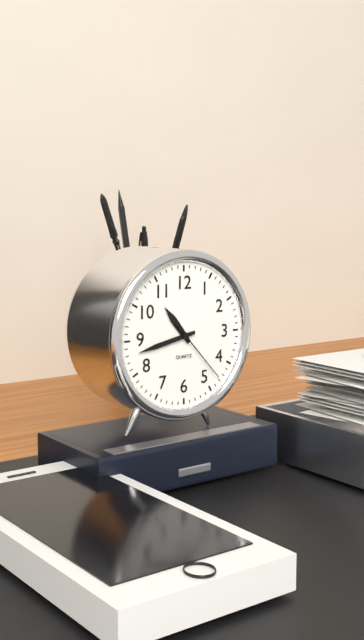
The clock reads {"hour": 10, "minute": 43, "second": 23}
